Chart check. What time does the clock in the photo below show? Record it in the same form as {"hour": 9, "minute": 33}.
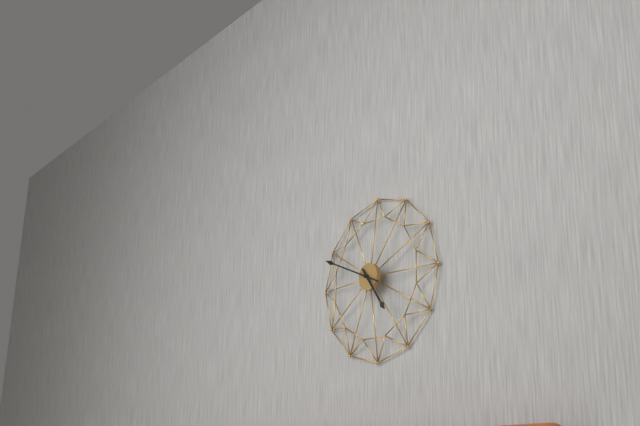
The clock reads {"hour": 4, "minute": 49}
